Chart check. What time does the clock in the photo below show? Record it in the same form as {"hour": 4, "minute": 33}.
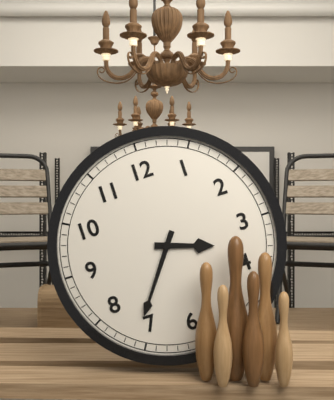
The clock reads {"hour": 3, "minute": 36}
